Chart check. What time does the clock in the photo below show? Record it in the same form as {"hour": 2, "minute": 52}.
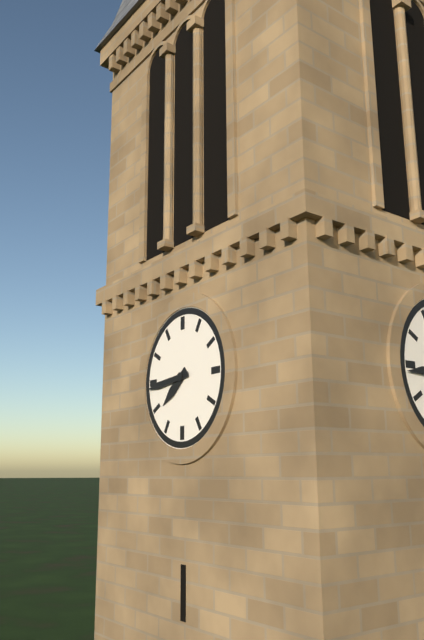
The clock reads {"hour": 7, "minute": 44}
